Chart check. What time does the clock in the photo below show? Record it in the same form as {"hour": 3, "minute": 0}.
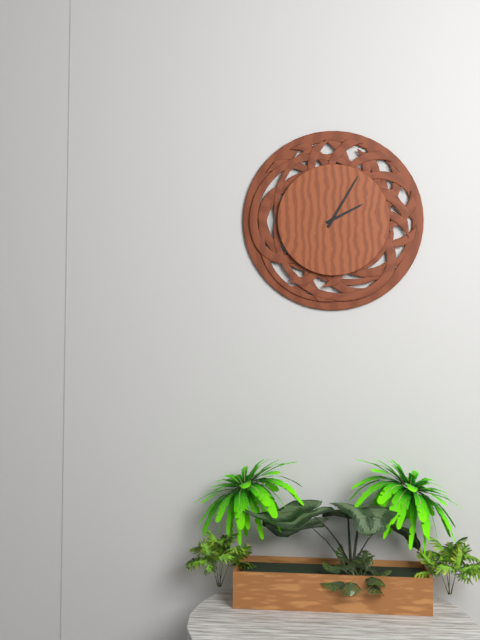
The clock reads {"hour": 2, "minute": 5}
